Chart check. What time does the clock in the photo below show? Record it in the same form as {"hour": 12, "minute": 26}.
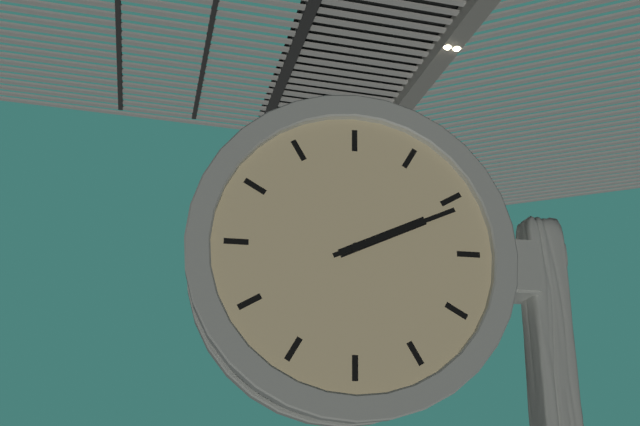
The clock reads {"hour": 2, "minute": 11}
